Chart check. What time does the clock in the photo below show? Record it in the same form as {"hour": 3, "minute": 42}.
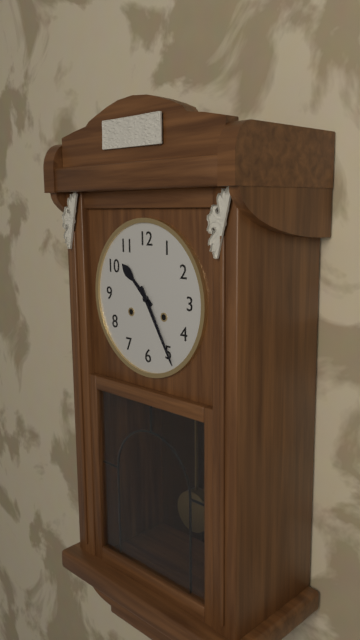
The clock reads {"hour": 10, "minute": 25}
